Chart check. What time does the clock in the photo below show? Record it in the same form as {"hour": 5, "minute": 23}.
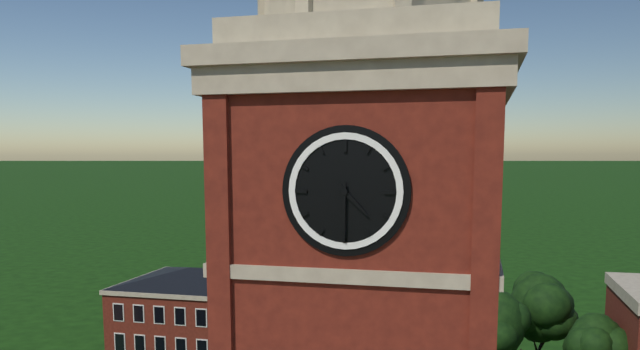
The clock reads {"hour": 4, "minute": 30}
